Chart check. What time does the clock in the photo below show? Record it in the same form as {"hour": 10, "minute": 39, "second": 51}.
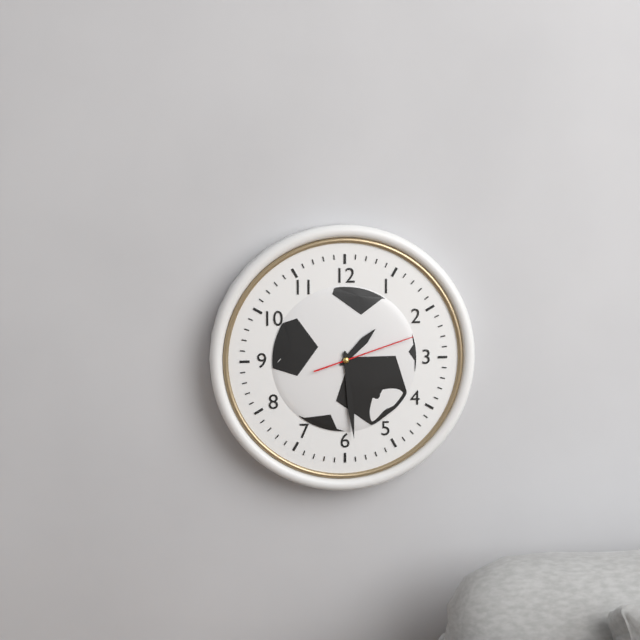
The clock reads {"hour": 1, "minute": 29, "second": 12}
